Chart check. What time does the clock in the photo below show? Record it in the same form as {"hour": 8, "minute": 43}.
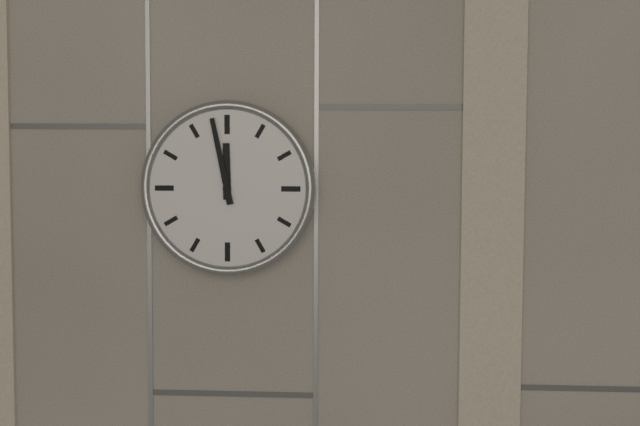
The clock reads {"hour": 11, "minute": 58}
